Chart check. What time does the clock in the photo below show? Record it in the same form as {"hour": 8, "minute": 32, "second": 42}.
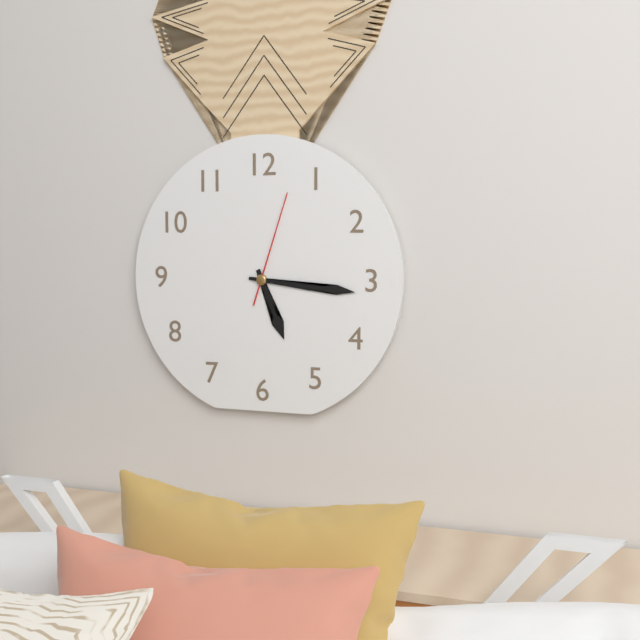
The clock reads {"hour": 5, "minute": 16, "second": 3}
